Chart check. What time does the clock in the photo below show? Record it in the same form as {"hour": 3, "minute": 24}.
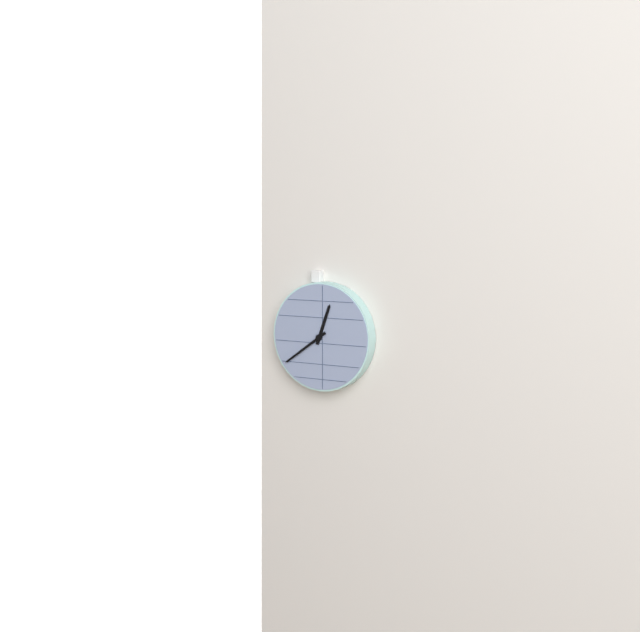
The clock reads {"hour": 12, "minute": 39}
